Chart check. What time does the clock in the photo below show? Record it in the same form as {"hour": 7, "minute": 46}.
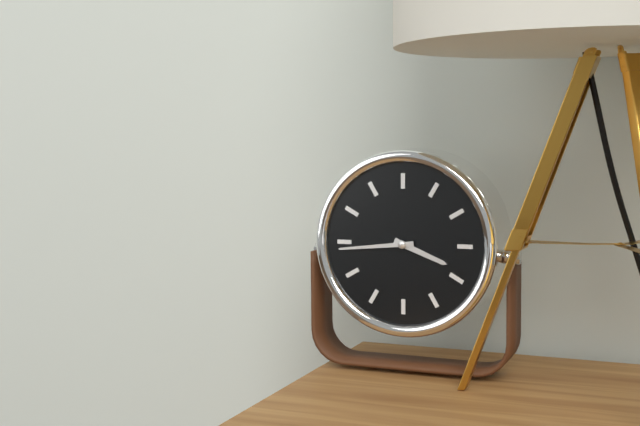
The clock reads {"hour": 3, "minute": 44}
